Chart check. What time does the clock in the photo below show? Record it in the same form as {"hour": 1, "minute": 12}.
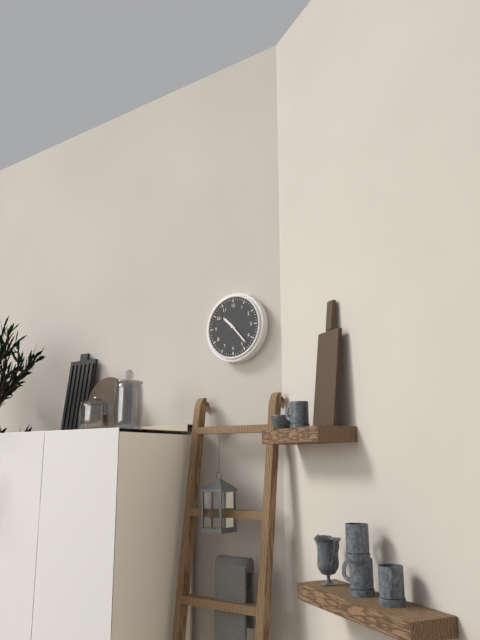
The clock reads {"hour": 10, "minute": 23}
